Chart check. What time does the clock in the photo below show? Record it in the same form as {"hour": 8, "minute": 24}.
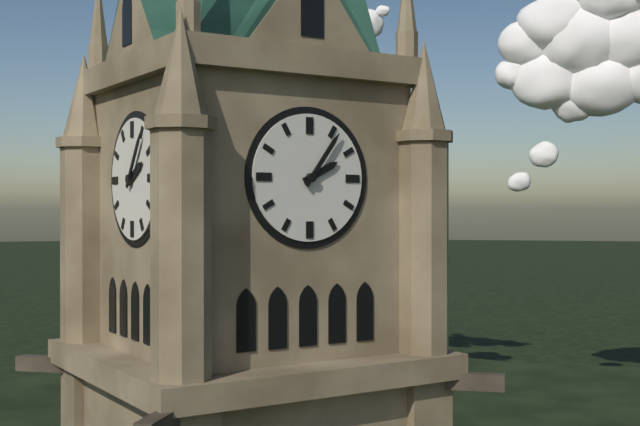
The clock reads {"hour": 2, "minute": 6}
